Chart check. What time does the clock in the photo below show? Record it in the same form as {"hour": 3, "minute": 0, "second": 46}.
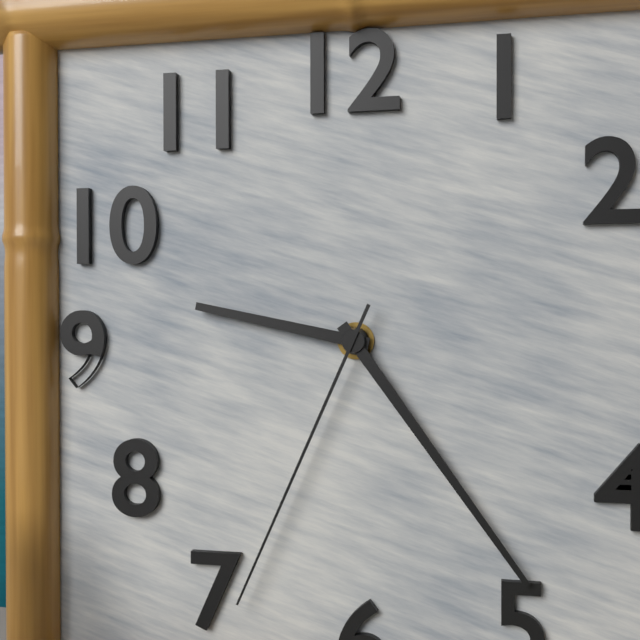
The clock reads {"hour": 9, "minute": 24, "second": 34}
